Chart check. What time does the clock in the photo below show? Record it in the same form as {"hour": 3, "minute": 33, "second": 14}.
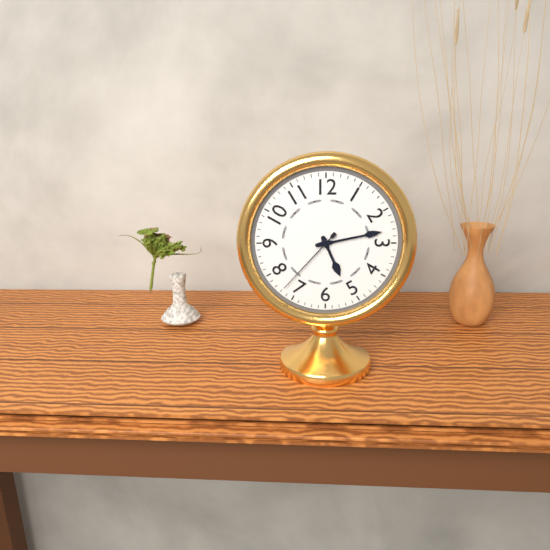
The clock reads {"hour": 5, "minute": 13, "second": 37}
